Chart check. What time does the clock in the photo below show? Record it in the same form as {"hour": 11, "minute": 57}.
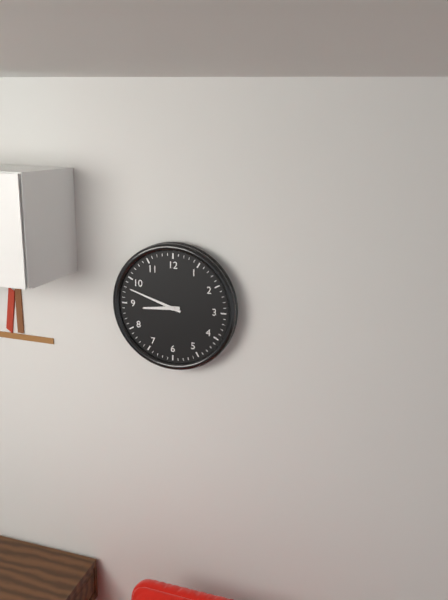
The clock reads {"hour": 8, "minute": 48}
